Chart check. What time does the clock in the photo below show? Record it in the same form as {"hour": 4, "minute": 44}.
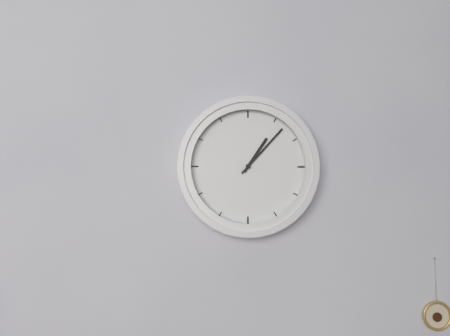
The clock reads {"hour": 1, "minute": 7}
